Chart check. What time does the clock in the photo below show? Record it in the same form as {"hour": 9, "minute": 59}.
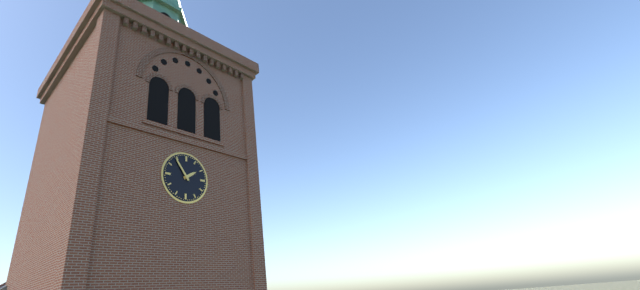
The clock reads {"hour": 1, "minute": 54}
